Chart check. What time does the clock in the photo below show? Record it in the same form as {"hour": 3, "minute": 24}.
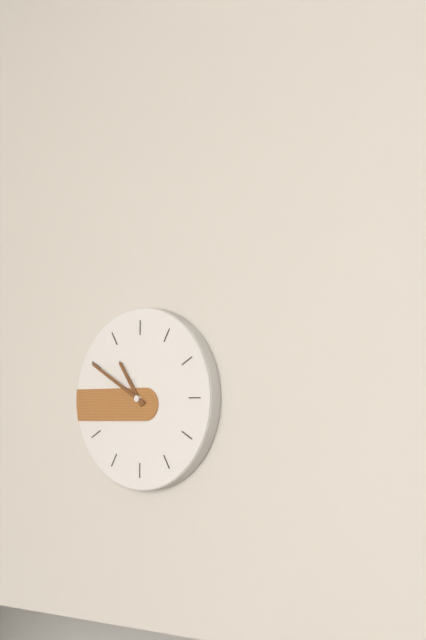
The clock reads {"hour": 10, "minute": 50}
